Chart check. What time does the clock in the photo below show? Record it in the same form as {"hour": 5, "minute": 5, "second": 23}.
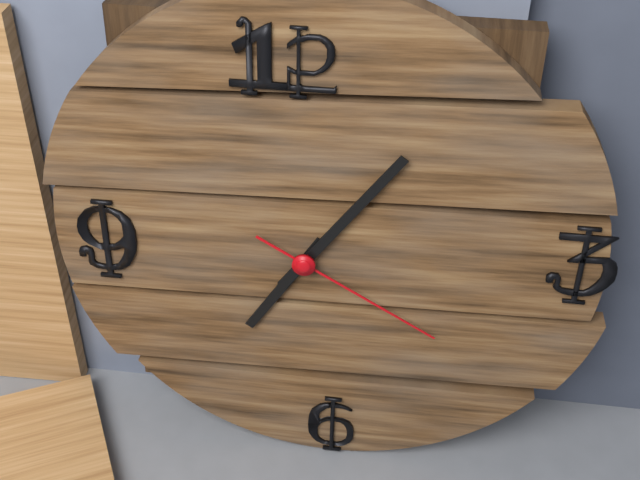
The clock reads {"hour": 7, "minute": 6, "second": 20}
